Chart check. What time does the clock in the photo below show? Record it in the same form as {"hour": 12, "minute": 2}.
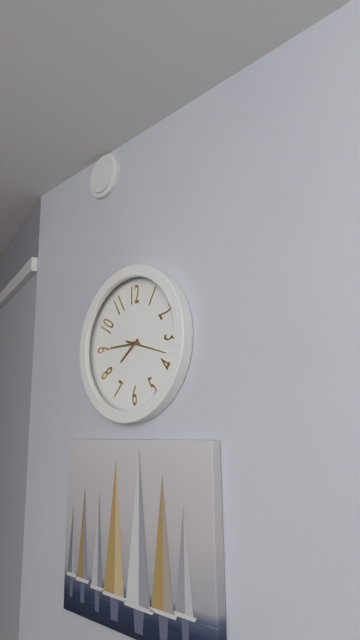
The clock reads {"hour": 7, "minute": 45}
